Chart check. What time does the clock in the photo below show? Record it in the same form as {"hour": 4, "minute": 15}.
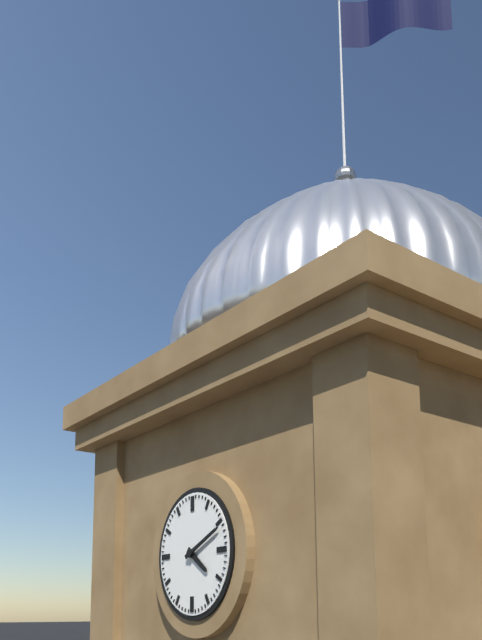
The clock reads {"hour": 4, "minute": 11}
